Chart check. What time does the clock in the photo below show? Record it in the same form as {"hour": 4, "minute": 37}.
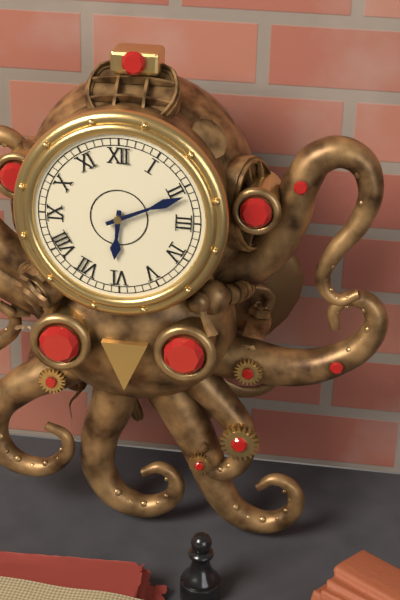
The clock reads {"hour": 6, "minute": 11}
